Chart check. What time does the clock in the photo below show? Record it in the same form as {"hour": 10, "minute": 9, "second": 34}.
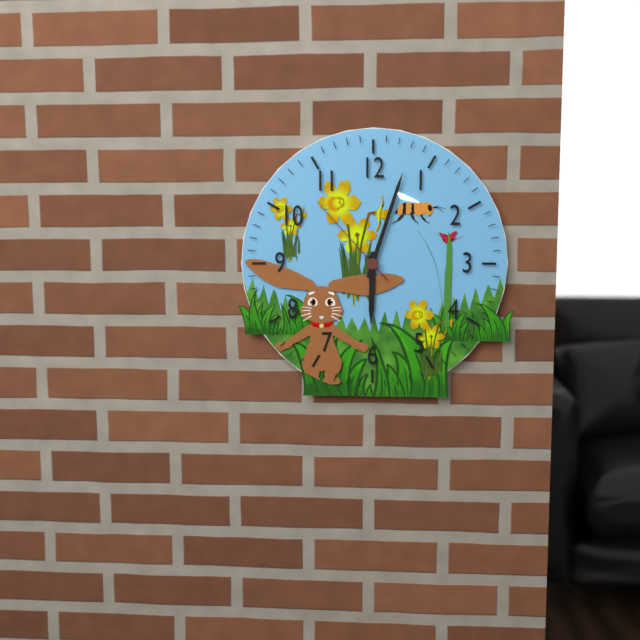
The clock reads {"hour": 6, "minute": 3, "second": 53}
